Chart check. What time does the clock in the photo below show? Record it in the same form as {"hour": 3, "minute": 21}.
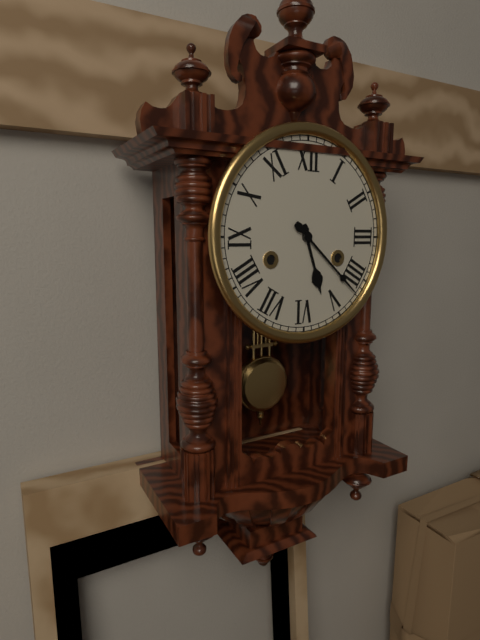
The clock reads {"hour": 5, "minute": 22}
